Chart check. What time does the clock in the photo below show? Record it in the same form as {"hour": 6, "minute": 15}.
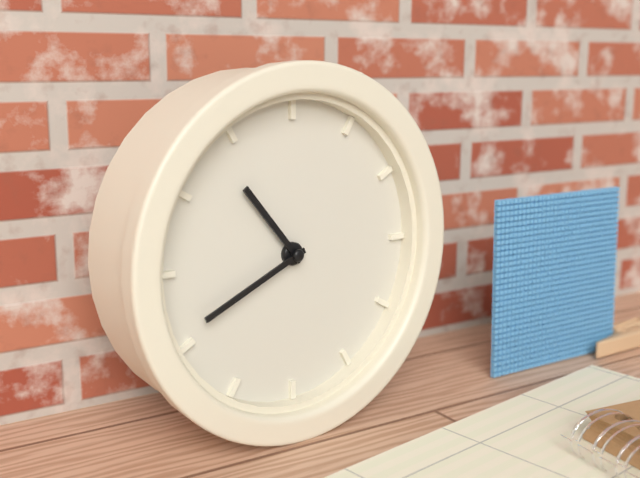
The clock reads {"hour": 10, "minute": 41}
